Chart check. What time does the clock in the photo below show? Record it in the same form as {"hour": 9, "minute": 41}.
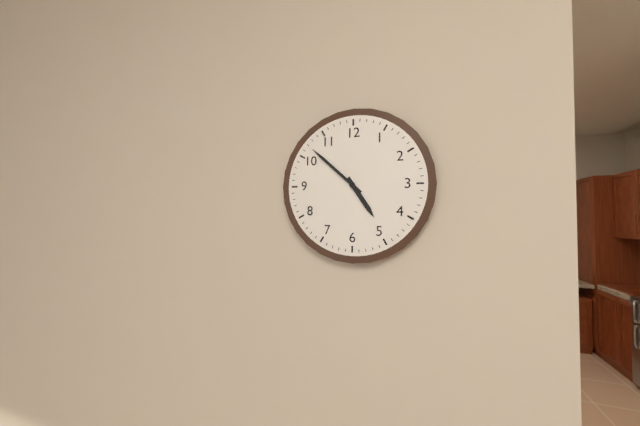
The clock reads {"hour": 4, "minute": 52}
